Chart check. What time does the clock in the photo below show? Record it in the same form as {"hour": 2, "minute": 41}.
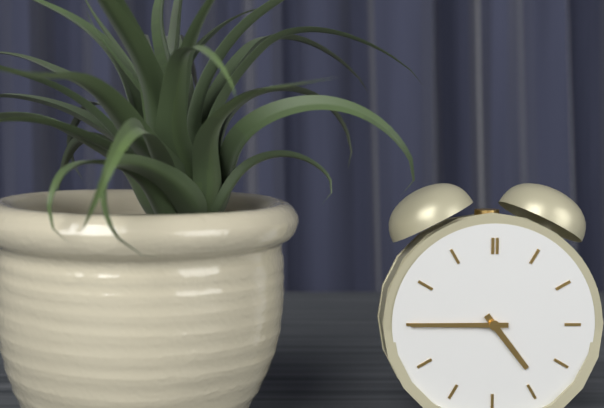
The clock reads {"hour": 4, "minute": 45}
